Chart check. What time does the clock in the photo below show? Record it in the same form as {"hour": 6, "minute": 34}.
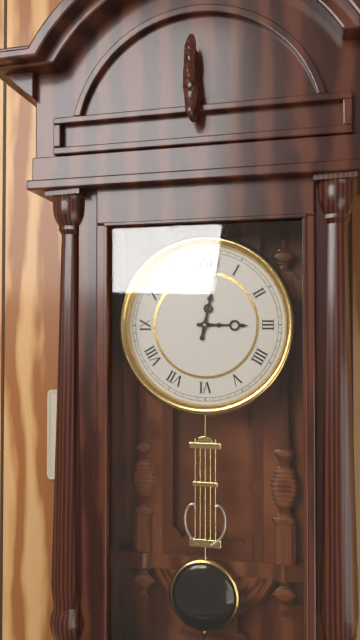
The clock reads {"hour": 3, "minute": 2}
